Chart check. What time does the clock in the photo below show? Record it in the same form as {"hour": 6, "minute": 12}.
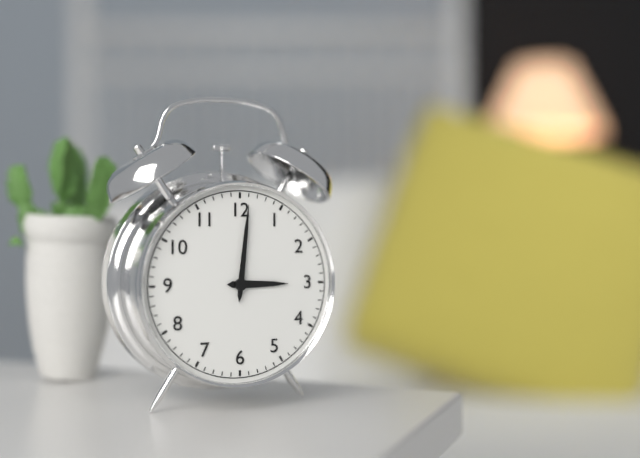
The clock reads {"hour": 3, "minute": 1}
